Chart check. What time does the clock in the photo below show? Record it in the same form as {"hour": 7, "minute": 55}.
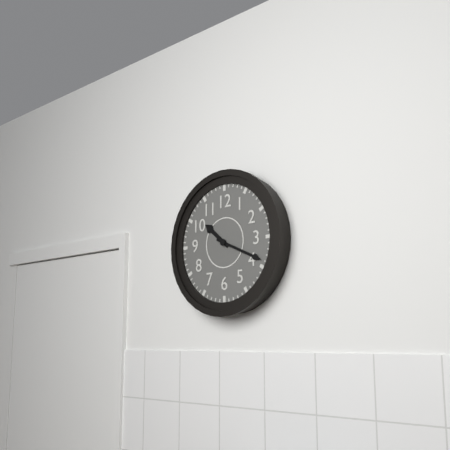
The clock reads {"hour": 10, "minute": 19}
